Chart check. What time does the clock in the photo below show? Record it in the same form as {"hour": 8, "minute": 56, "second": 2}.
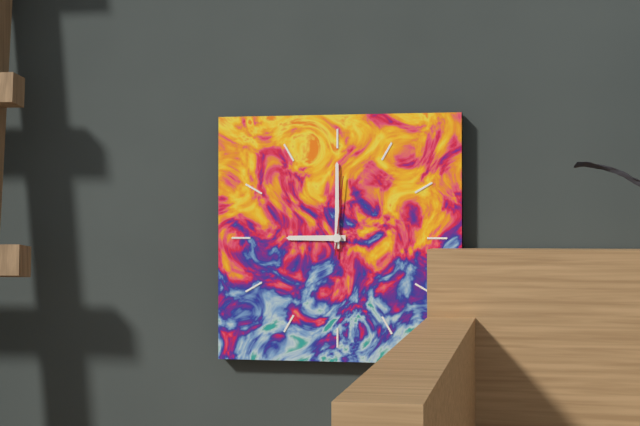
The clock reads {"hour": 9, "minute": 0, "second": 1}
